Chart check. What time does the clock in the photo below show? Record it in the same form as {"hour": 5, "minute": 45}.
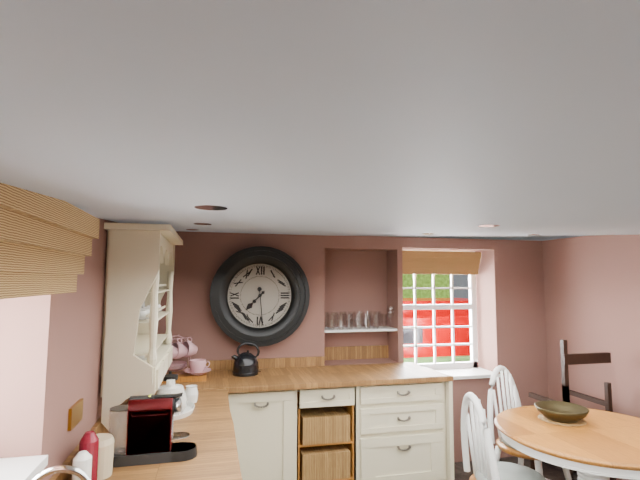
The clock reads {"hour": 7, "minute": 29}
